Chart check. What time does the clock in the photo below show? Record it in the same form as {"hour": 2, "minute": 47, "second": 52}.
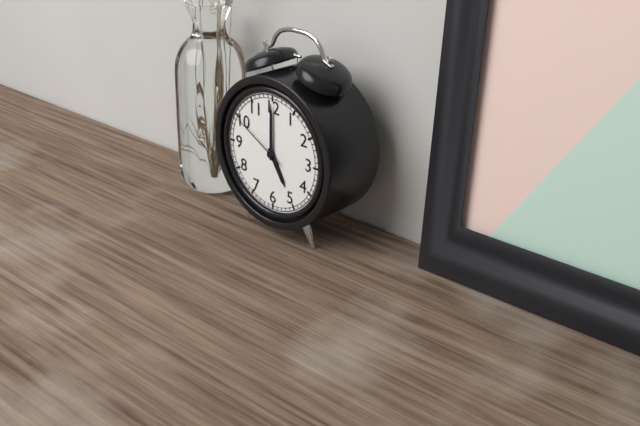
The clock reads {"hour": 5, "minute": 0, "second": 50}
